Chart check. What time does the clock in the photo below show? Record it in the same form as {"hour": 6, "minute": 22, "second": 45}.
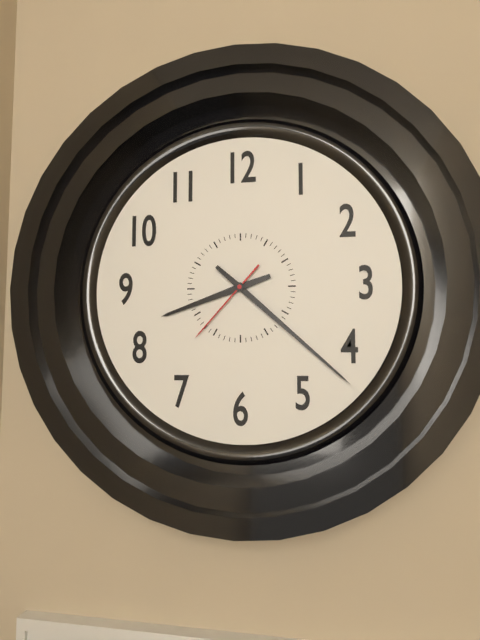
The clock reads {"hour": 8, "minute": 22, "second": 37}
